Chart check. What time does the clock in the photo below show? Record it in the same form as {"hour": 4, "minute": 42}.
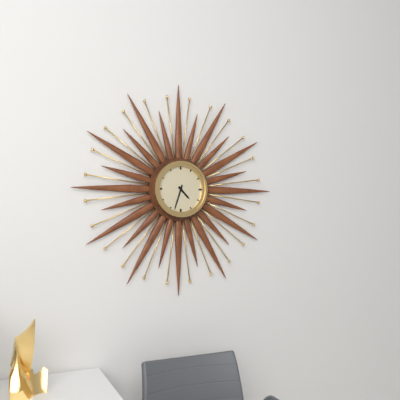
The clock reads {"hour": 4, "minute": 33}
